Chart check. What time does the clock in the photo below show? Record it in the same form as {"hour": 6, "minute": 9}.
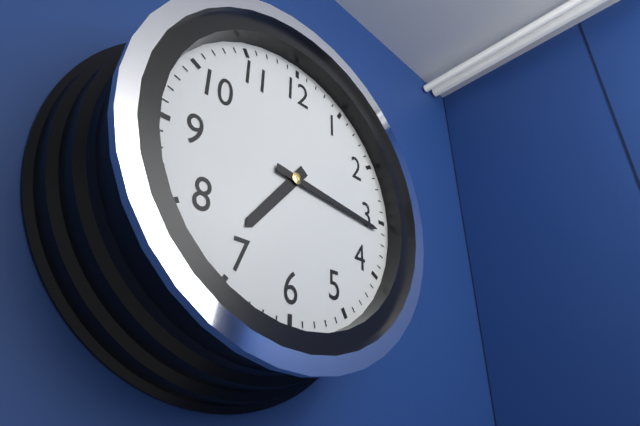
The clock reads {"hour": 7, "minute": 16}
